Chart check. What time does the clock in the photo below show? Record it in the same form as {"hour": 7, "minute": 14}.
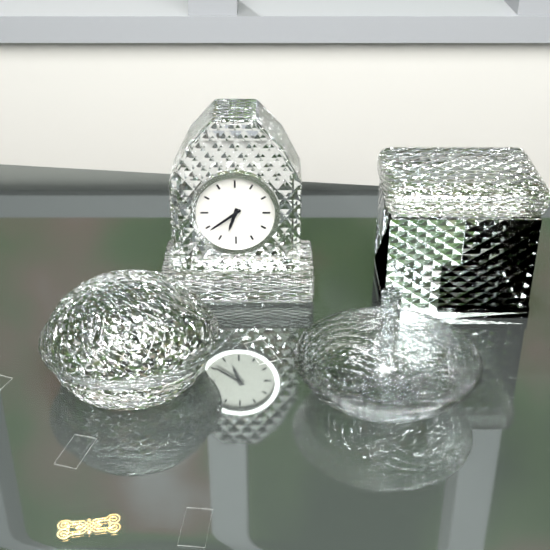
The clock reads {"hour": 6, "minute": 39}
